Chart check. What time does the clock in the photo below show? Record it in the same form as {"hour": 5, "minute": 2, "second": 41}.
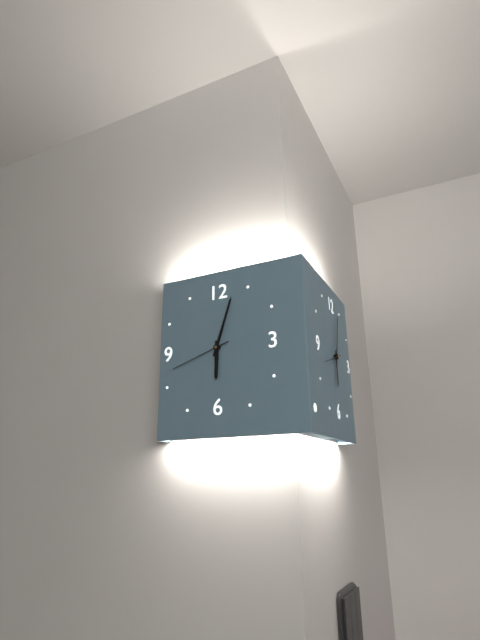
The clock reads {"hour": 6, "minute": 3, "second": 42}
